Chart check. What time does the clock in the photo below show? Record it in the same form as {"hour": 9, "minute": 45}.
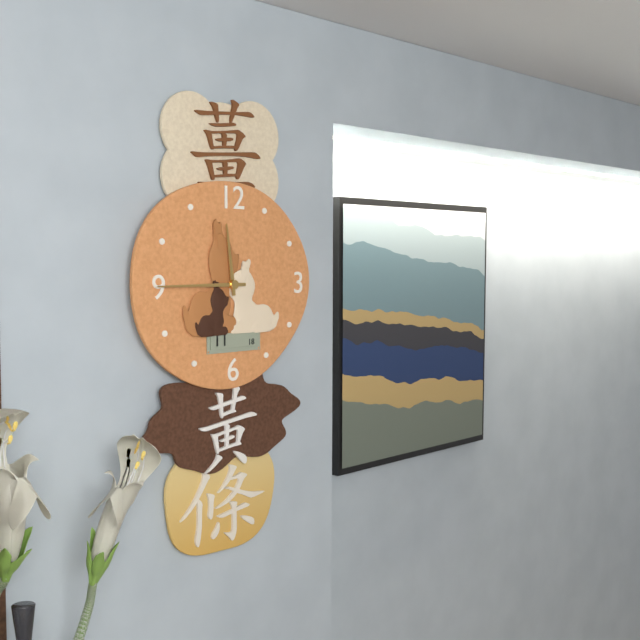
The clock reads {"hour": 11, "minute": 45}
